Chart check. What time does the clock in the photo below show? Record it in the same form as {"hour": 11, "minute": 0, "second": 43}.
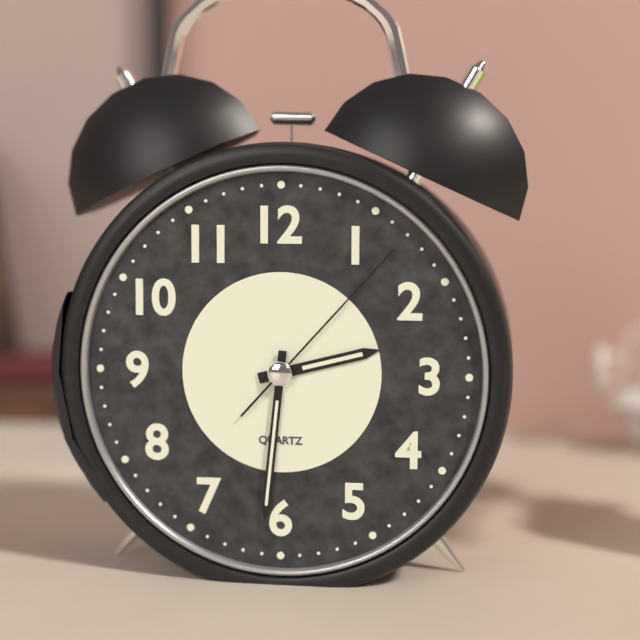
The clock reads {"hour": 2, "minute": 31, "second": 7}
